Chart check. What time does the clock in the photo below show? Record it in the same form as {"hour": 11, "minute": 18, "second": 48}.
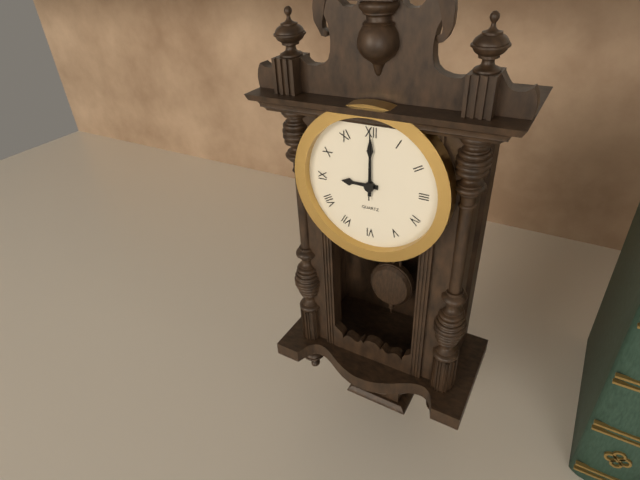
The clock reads {"hour": 9, "minute": 0, "second": 0}
